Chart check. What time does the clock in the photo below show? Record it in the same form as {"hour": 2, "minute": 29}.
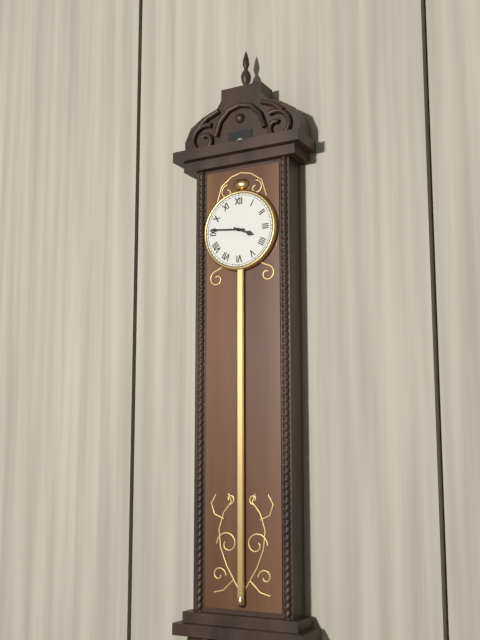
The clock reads {"hour": 3, "minute": 46}
